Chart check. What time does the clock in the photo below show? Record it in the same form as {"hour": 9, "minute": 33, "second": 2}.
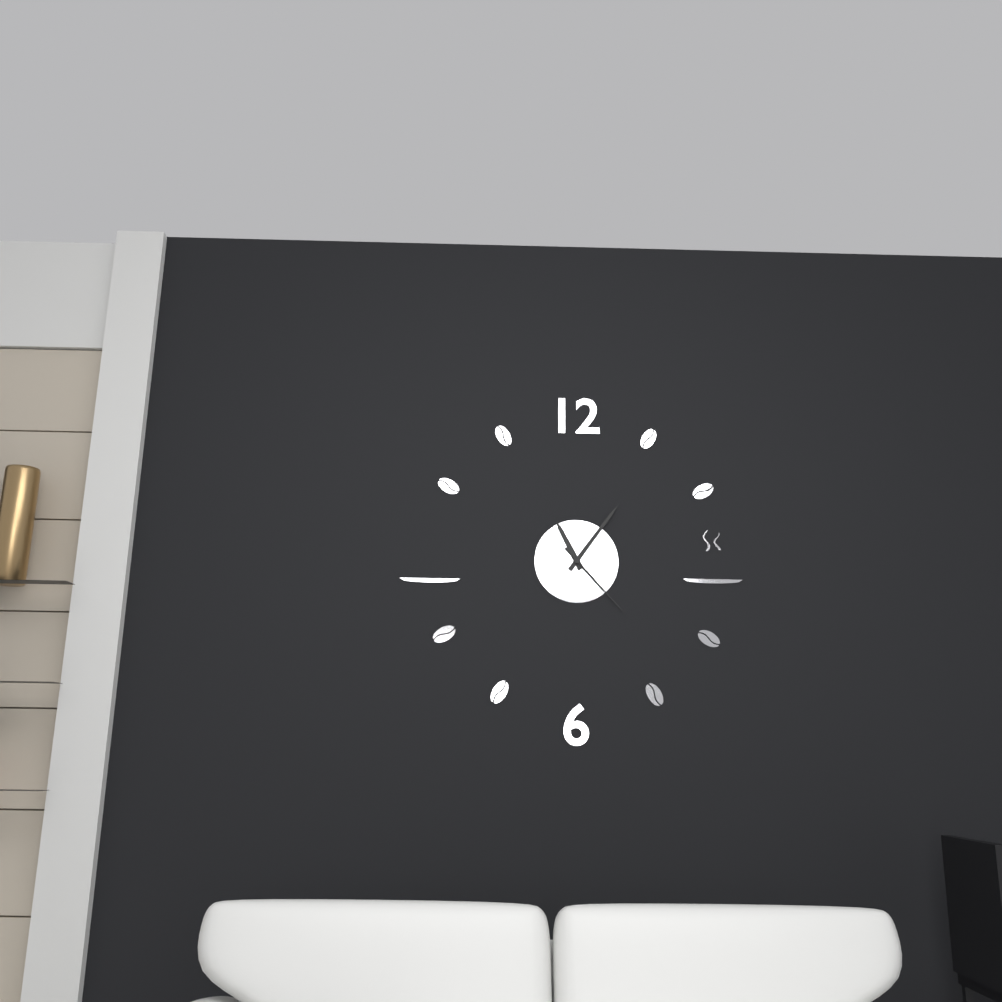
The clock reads {"hour": 11, "minute": 6, "second": 23}
